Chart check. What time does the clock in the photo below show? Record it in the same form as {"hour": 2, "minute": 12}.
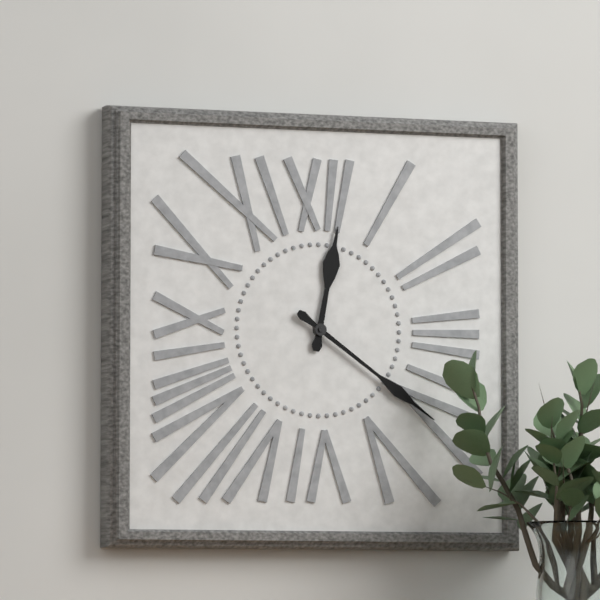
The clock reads {"hour": 12, "minute": 21}
